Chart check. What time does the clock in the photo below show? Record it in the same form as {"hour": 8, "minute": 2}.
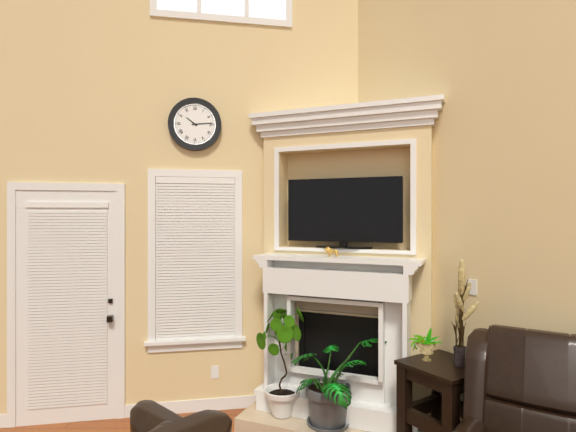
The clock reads {"hour": 10, "minute": 14}
